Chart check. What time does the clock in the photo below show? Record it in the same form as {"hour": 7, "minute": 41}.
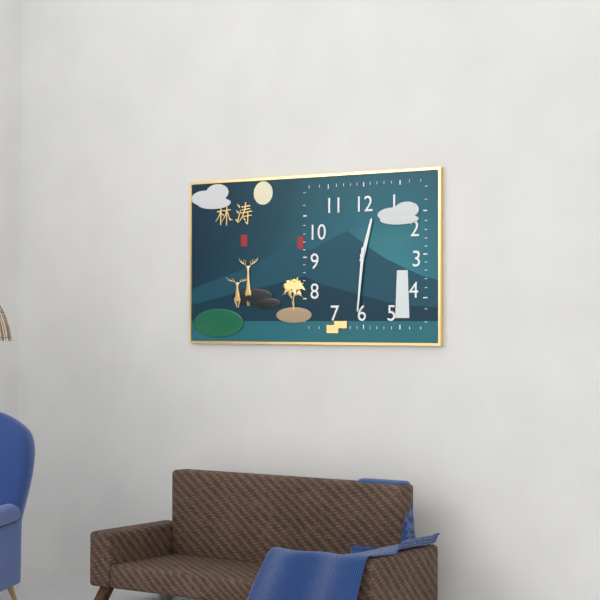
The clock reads {"hour": 12, "minute": 31}
